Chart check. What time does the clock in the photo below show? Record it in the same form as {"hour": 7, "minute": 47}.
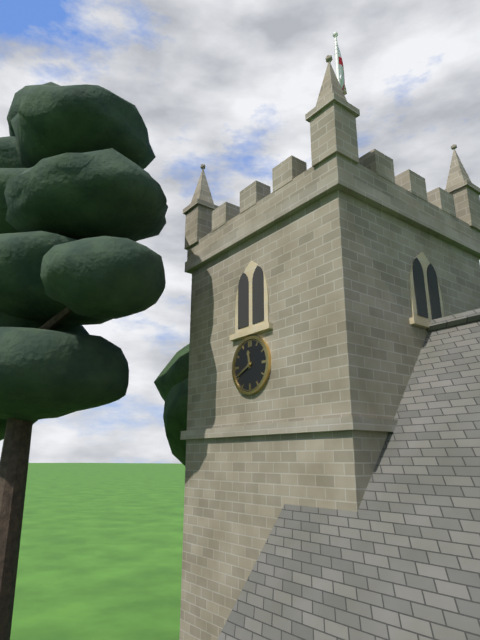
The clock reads {"hour": 11, "minute": 41}
